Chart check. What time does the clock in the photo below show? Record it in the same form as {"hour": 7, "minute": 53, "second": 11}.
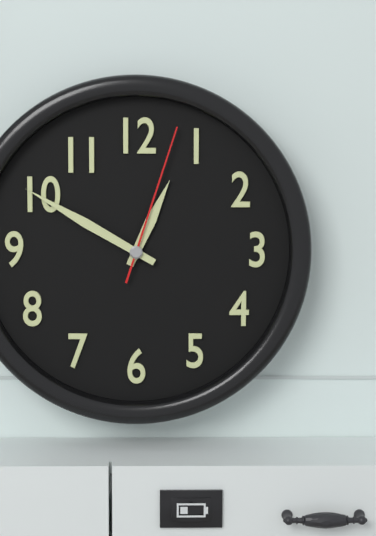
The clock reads {"hour": 12, "minute": 50, "second": 3}
